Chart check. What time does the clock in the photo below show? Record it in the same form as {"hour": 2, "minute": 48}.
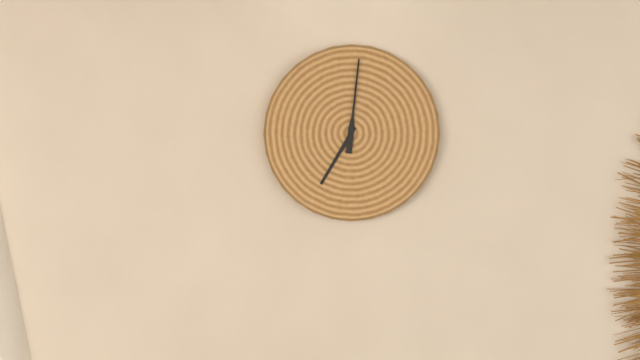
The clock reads {"hour": 7, "minute": 1}
